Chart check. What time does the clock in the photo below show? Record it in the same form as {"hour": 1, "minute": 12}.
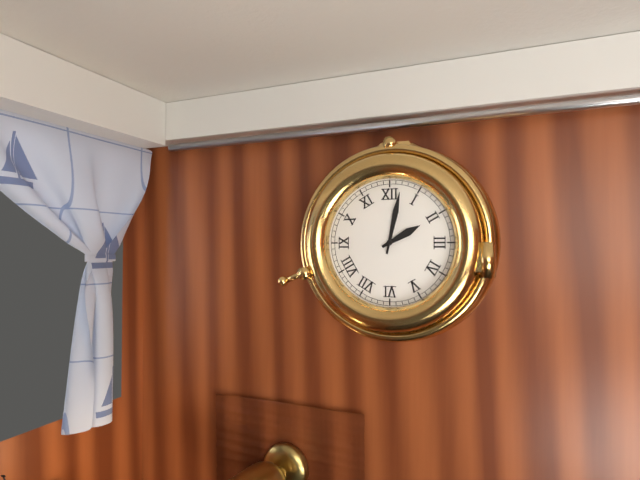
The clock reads {"hour": 2, "minute": 2}
